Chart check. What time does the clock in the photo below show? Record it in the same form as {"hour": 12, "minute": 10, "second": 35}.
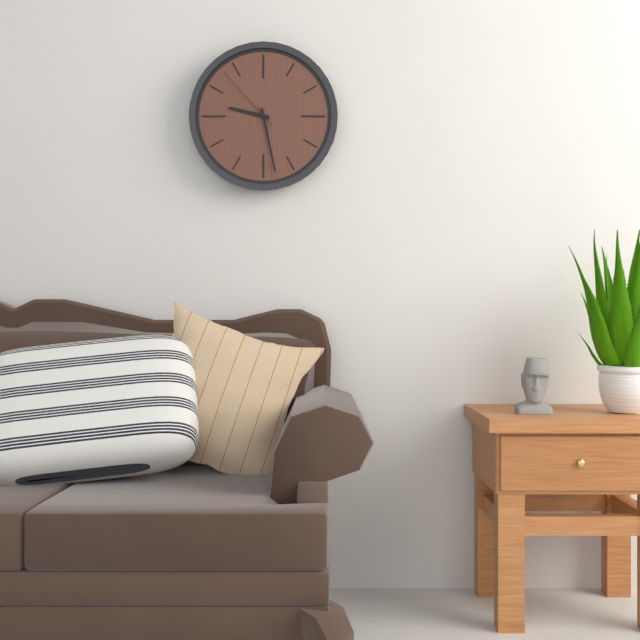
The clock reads {"hour": 9, "minute": 28, "second": 53}
